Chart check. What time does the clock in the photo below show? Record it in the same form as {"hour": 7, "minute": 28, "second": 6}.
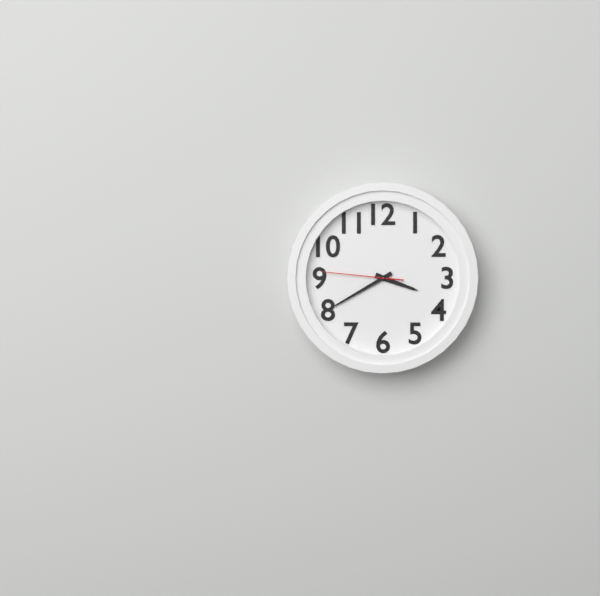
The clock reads {"hour": 3, "minute": 40, "second": 46}
